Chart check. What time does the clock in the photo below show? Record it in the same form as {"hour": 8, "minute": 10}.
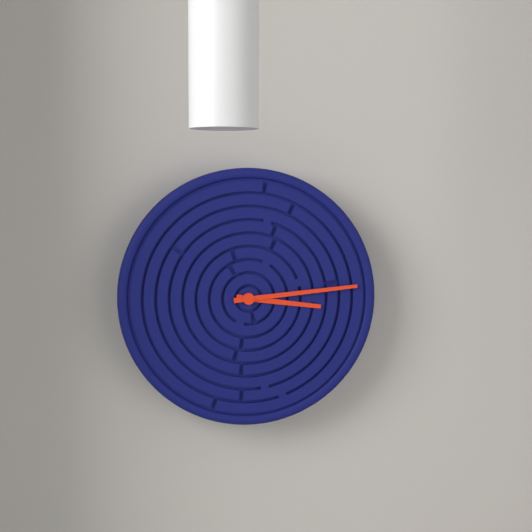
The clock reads {"hour": 3, "minute": 14}
